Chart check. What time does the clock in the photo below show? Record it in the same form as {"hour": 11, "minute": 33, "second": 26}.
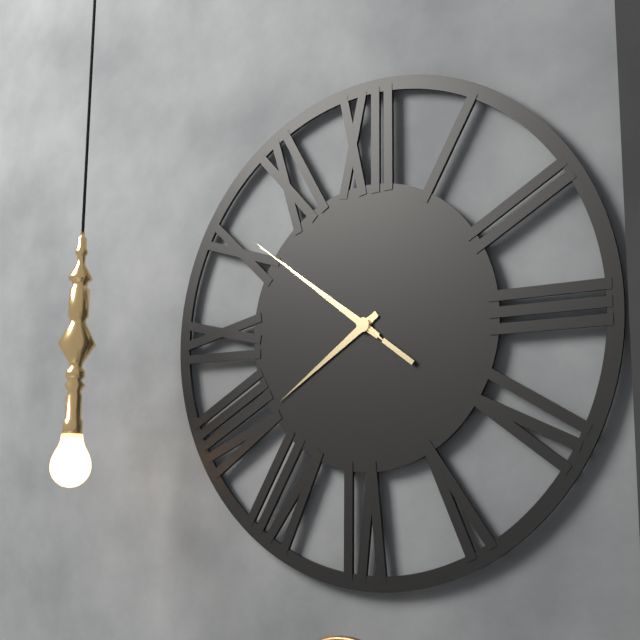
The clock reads {"hour": 7, "minute": 51, "second": 51}
